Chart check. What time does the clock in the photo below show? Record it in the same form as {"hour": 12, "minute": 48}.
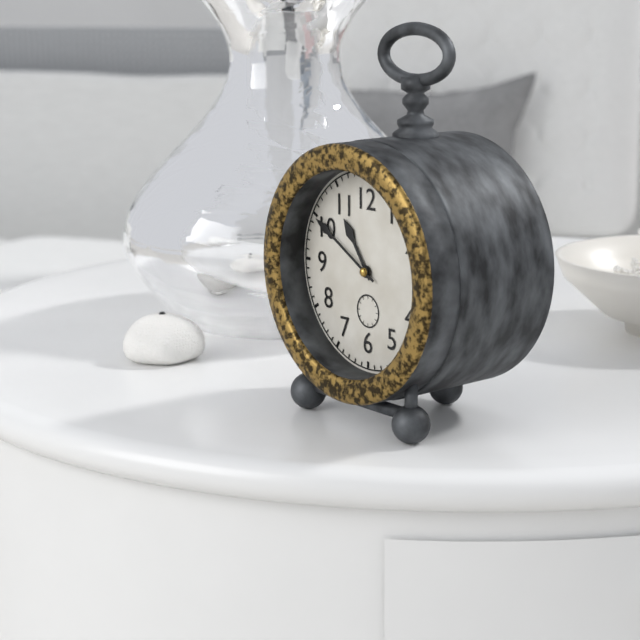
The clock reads {"hour": 10, "minute": 50}
